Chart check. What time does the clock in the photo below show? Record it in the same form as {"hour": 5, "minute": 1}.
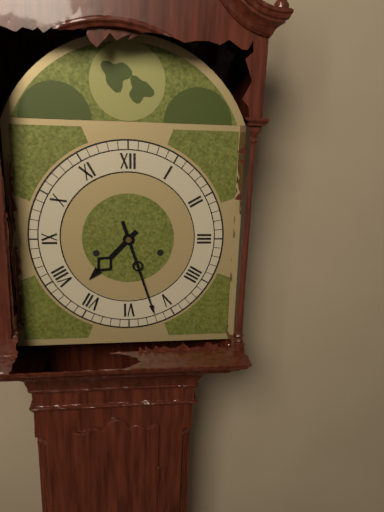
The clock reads {"hour": 7, "minute": 27}
